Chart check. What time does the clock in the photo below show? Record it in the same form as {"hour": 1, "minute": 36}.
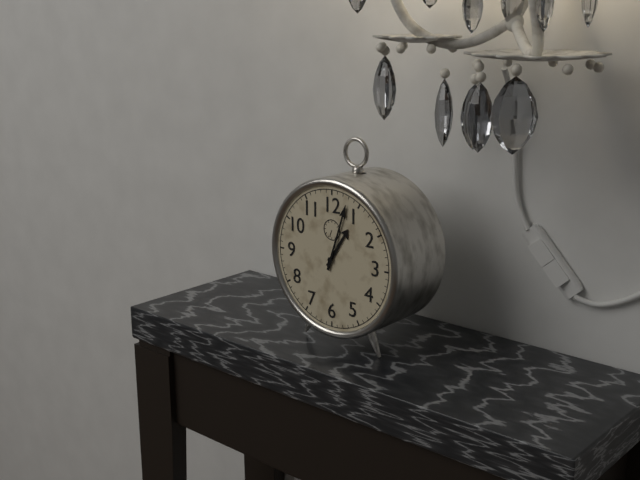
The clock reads {"hour": 1, "minute": 3}
